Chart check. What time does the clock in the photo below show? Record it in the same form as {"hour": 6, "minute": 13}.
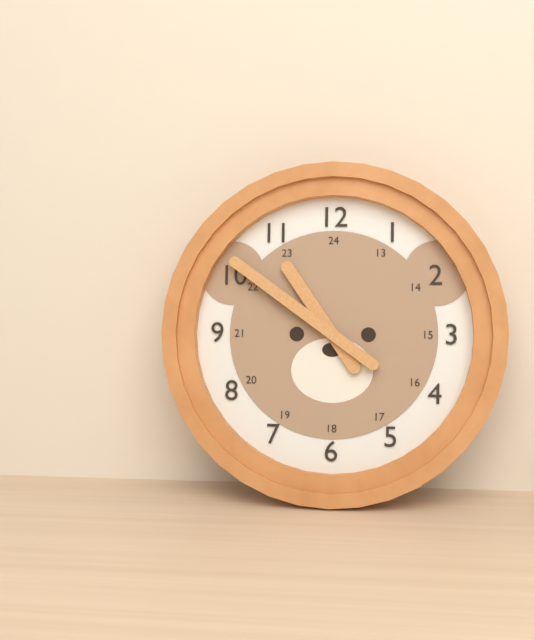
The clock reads {"hour": 10, "minute": 51}
